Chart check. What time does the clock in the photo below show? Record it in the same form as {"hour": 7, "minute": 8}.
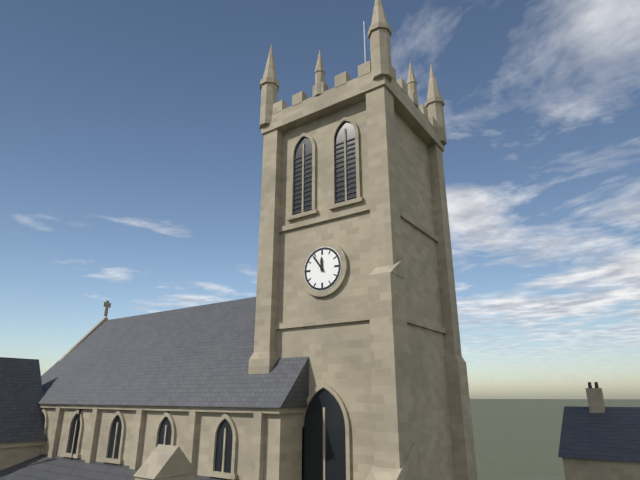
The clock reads {"hour": 11, "minute": 54}
